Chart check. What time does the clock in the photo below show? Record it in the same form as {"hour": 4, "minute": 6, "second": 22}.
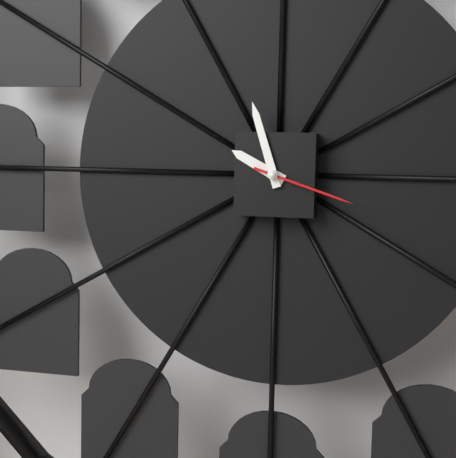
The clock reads {"hour": 9, "minute": 57, "second": 18}
